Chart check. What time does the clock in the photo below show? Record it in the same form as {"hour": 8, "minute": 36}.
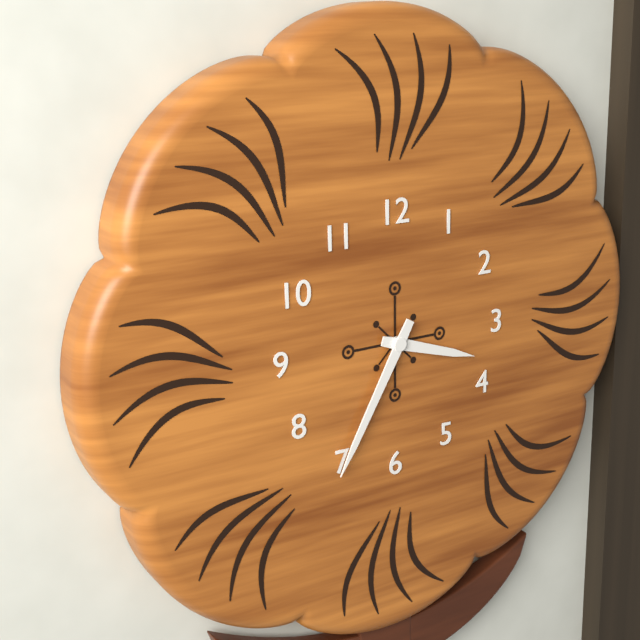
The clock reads {"hour": 3, "minute": 35}
